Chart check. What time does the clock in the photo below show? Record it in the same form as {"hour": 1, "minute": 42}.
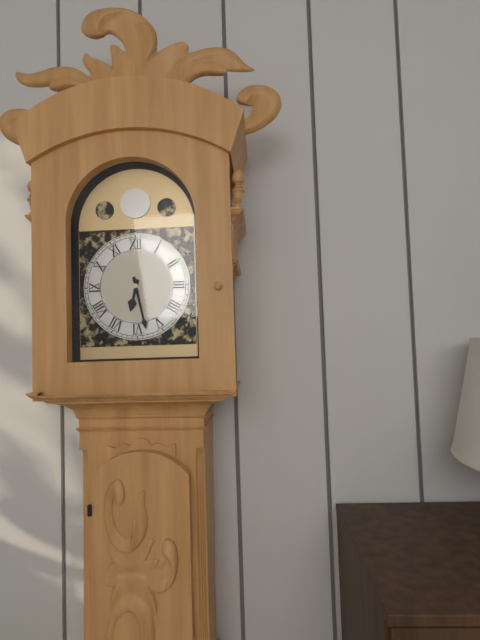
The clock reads {"hour": 6, "minute": 28}
